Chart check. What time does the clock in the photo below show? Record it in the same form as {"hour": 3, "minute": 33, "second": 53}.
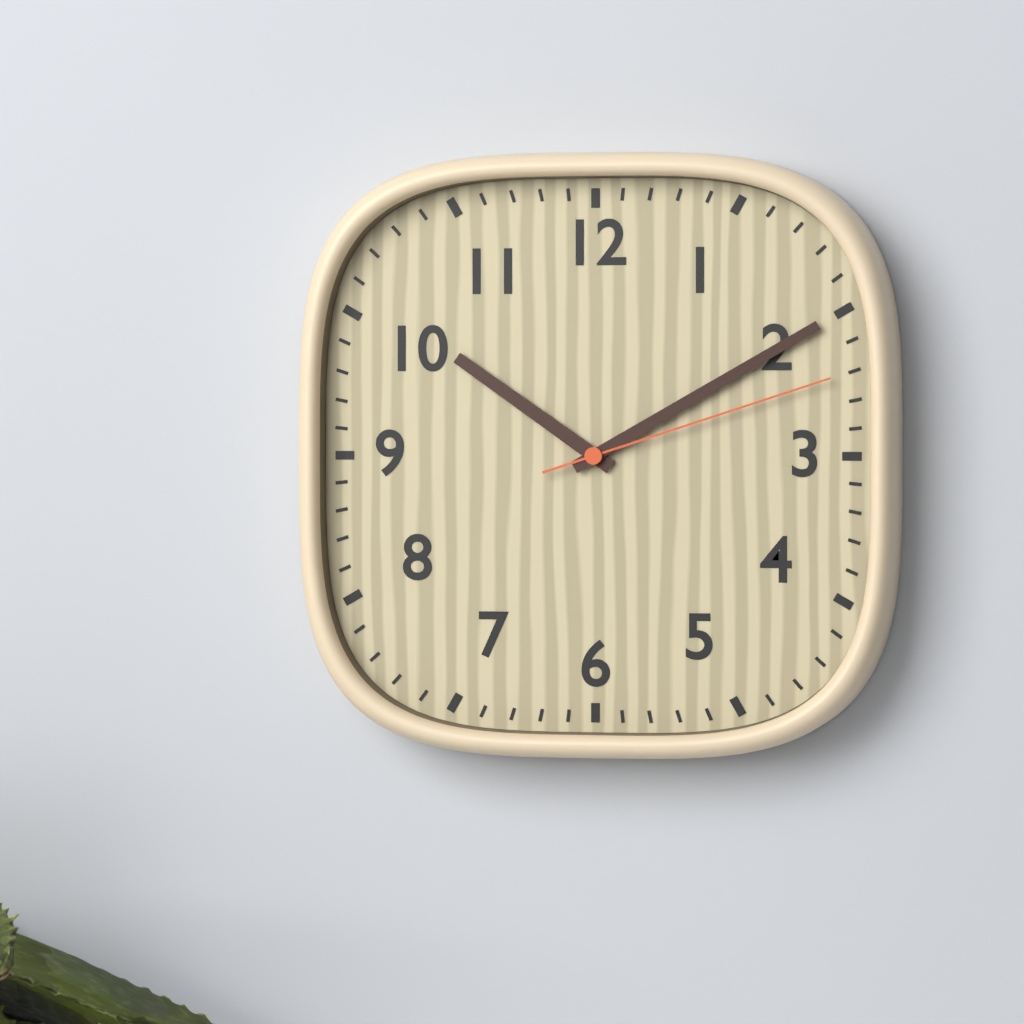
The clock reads {"hour": 10, "minute": 10, "second": 12}
